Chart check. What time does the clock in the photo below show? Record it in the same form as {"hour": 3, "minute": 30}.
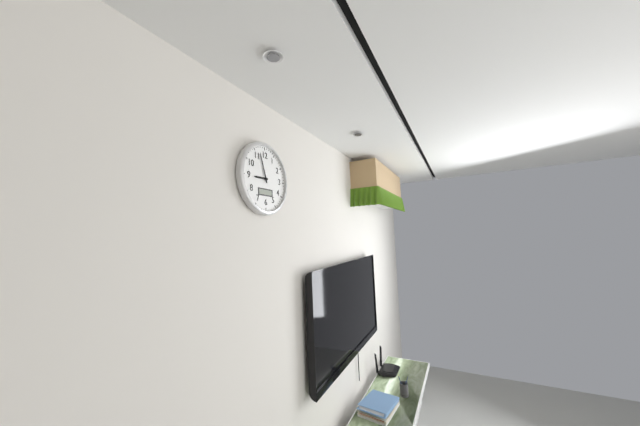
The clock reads {"hour": 8, "minute": 57}
